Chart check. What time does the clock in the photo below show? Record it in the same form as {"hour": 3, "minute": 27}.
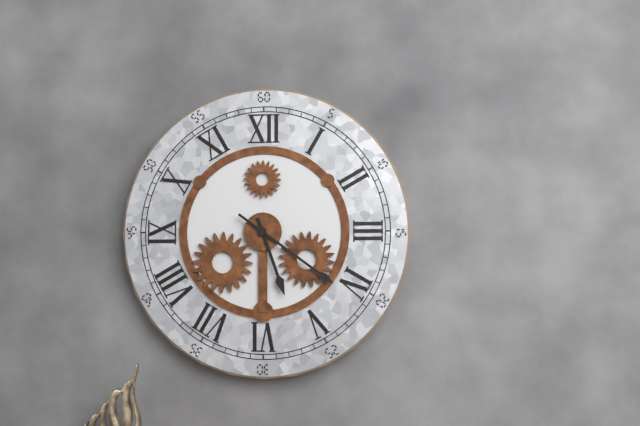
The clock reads {"hour": 5, "minute": 21}
